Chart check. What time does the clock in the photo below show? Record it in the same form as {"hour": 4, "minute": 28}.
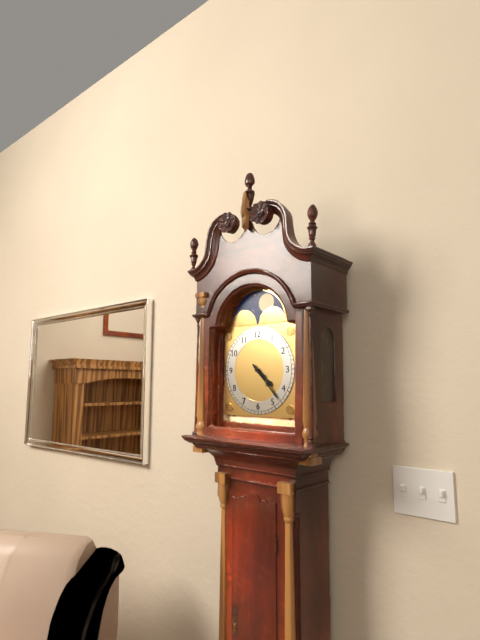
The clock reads {"hour": 4, "minute": 23}
